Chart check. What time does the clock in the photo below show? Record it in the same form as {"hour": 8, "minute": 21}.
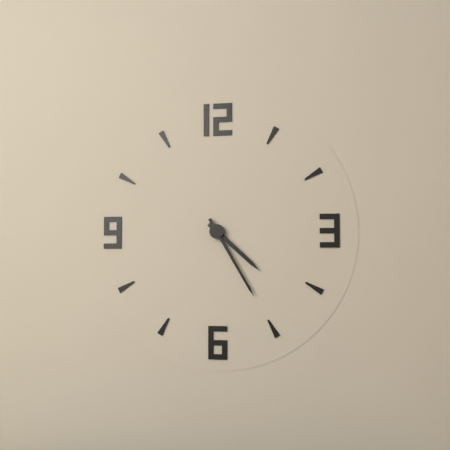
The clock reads {"hour": 4, "minute": 25}
